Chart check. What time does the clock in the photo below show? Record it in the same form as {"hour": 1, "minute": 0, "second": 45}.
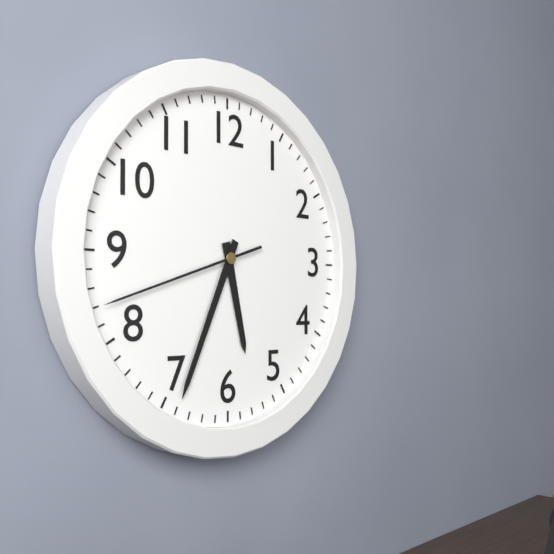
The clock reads {"hour": 5, "minute": 34, "second": 42}
